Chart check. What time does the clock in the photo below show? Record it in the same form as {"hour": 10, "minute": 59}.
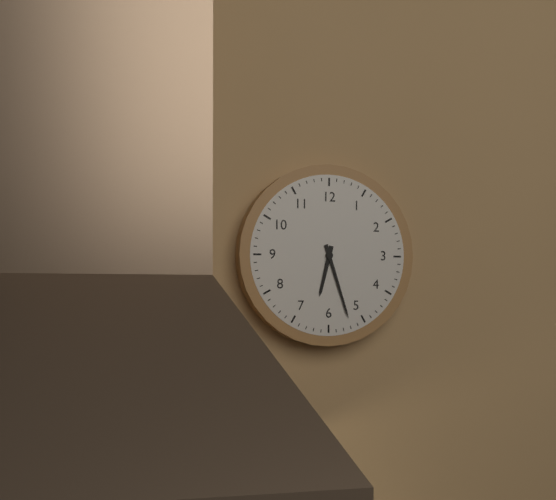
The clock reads {"hour": 6, "minute": 27}
